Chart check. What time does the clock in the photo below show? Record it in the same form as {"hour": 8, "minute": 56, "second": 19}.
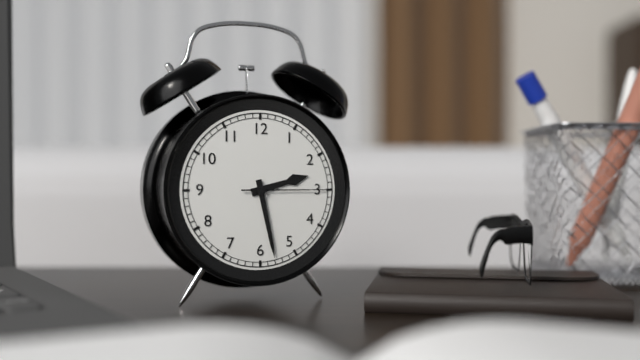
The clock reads {"hour": 2, "minute": 28, "second": 15}
